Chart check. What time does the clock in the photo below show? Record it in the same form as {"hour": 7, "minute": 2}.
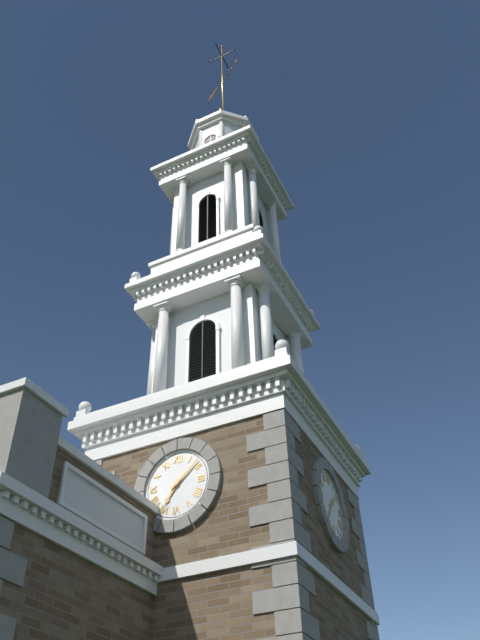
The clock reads {"hour": 7, "minute": 8}
